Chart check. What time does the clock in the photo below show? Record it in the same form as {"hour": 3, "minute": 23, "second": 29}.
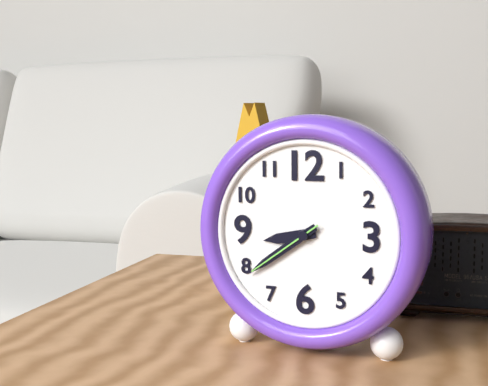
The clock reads {"hour": 8, "minute": 39, "second": 39}
